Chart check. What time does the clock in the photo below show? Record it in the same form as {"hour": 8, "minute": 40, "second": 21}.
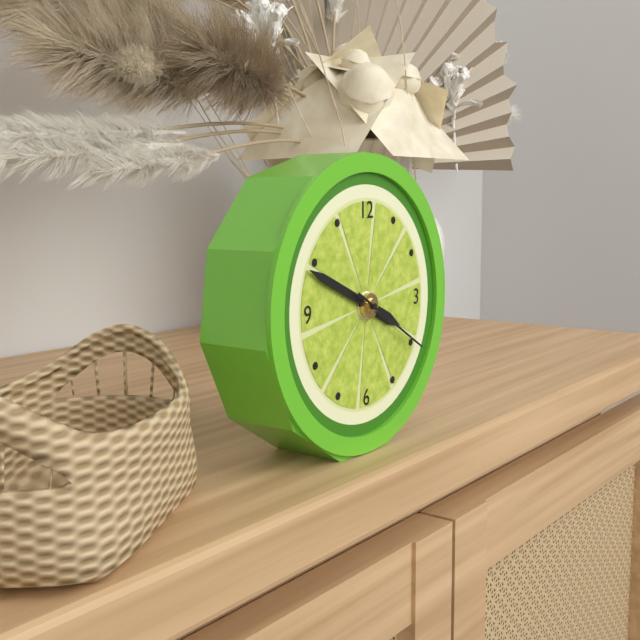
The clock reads {"hour": 3, "minute": 49, "second": 20}
